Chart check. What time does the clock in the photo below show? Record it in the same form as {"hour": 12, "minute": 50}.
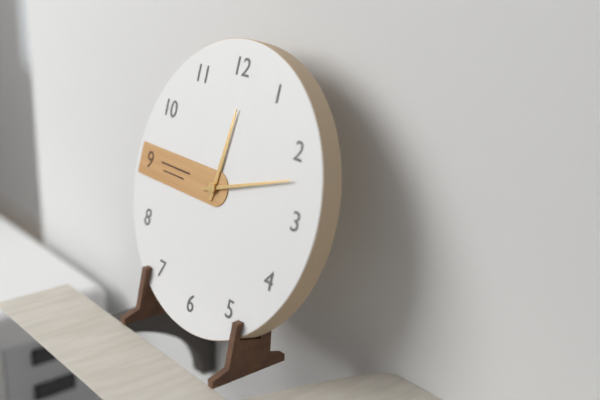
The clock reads {"hour": 12, "minute": 12}
